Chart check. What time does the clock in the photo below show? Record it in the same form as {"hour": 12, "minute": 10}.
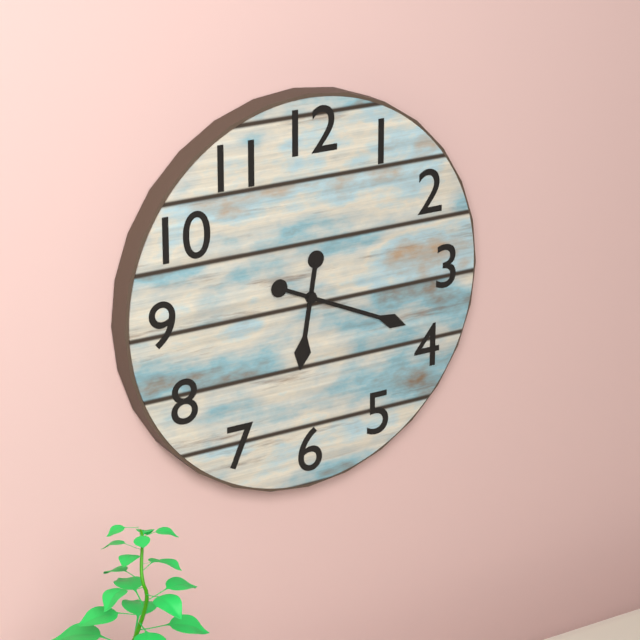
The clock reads {"hour": 6, "minute": 19}
